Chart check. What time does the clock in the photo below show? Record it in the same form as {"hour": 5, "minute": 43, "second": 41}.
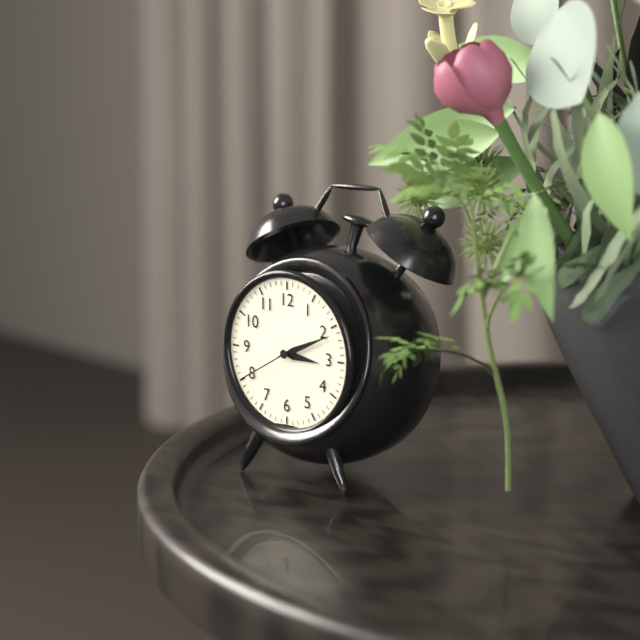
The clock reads {"hour": 3, "minute": 11, "second": 40}
